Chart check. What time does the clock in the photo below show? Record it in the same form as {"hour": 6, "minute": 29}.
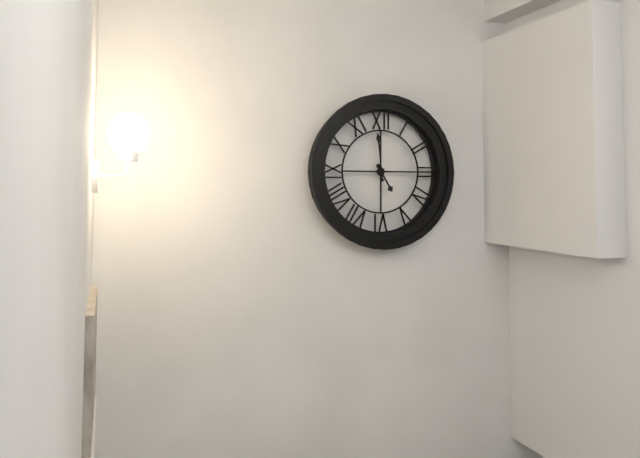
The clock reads {"hour": 4, "minute": 59}
